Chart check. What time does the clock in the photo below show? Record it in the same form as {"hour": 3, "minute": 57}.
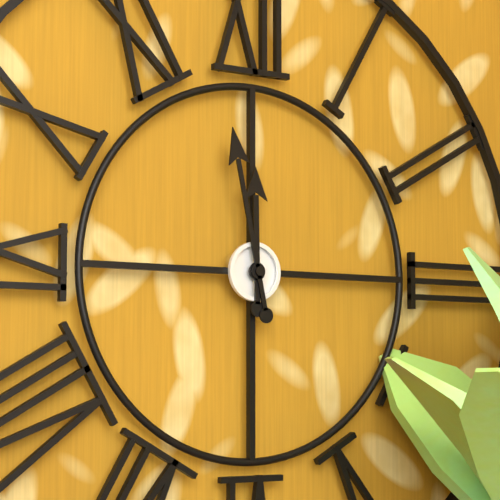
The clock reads {"hour": 11, "minute": 58}
